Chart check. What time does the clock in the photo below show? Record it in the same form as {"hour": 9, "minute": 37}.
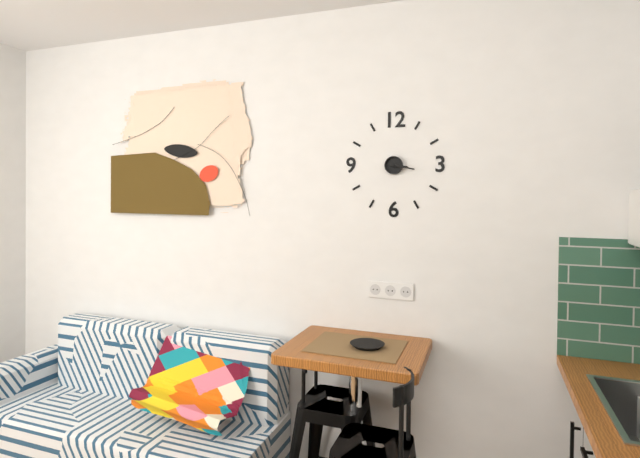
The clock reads {"hour": 3, "minute": 17}
